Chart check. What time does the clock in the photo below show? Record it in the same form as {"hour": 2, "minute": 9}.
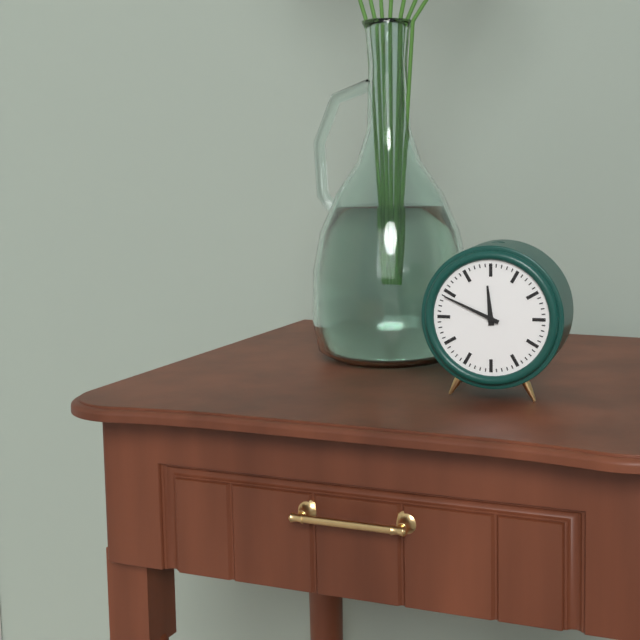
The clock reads {"hour": 11, "minute": 49}
